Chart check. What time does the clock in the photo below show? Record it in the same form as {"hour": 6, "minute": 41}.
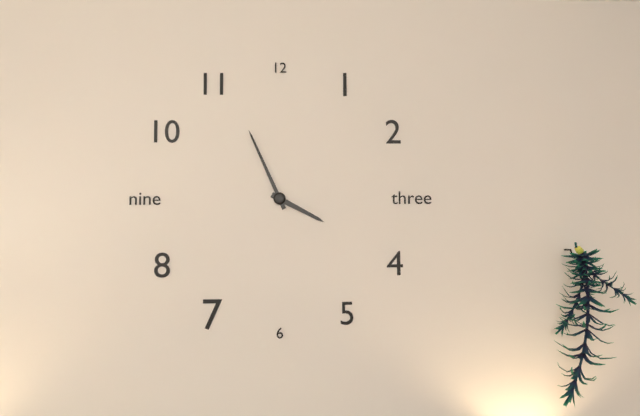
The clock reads {"hour": 3, "minute": 56}
